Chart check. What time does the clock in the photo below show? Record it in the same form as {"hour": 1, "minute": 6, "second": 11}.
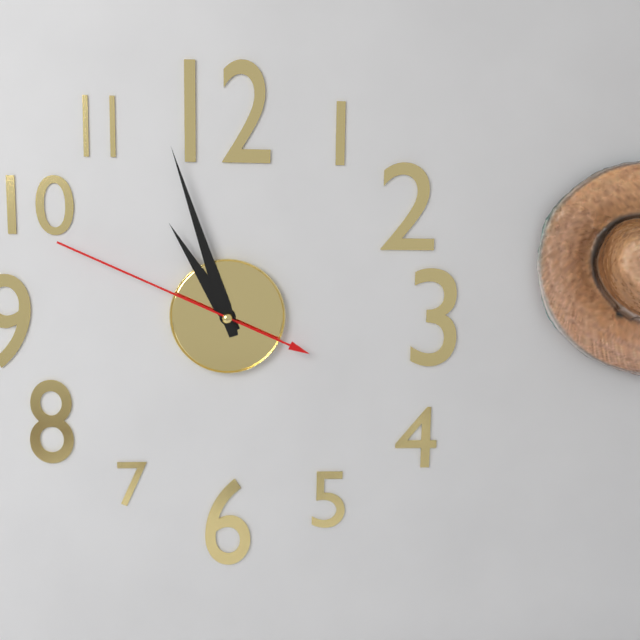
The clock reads {"hour": 10, "minute": 57, "second": 49}
